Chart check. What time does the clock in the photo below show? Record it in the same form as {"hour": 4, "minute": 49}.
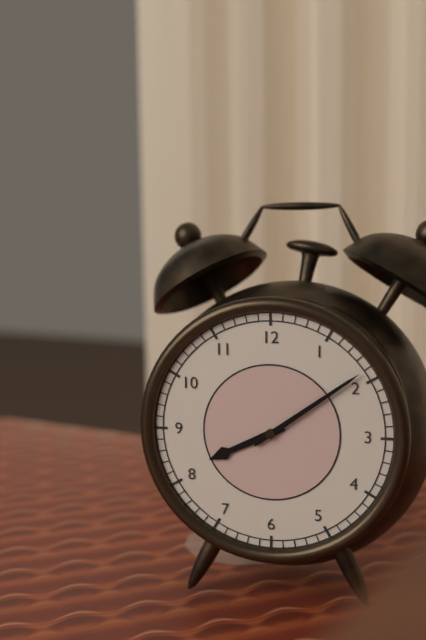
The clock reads {"hour": 8, "minute": 9}
